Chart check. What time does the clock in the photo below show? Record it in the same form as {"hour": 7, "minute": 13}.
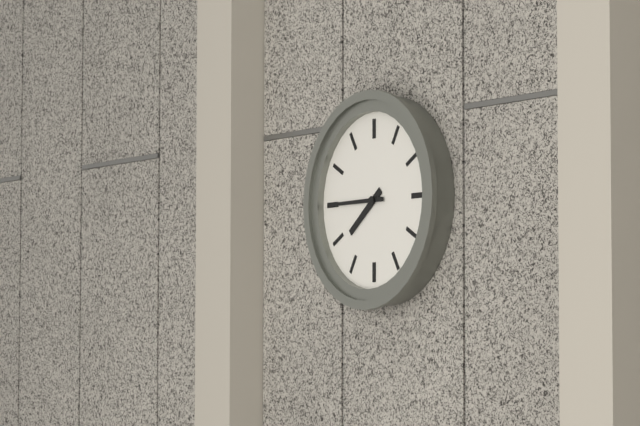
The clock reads {"hour": 7, "minute": 45}
